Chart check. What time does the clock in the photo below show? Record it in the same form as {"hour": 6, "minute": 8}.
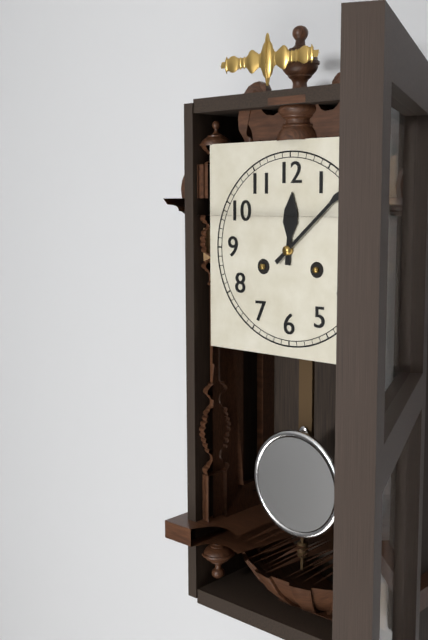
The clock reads {"hour": 12, "minute": 8}
